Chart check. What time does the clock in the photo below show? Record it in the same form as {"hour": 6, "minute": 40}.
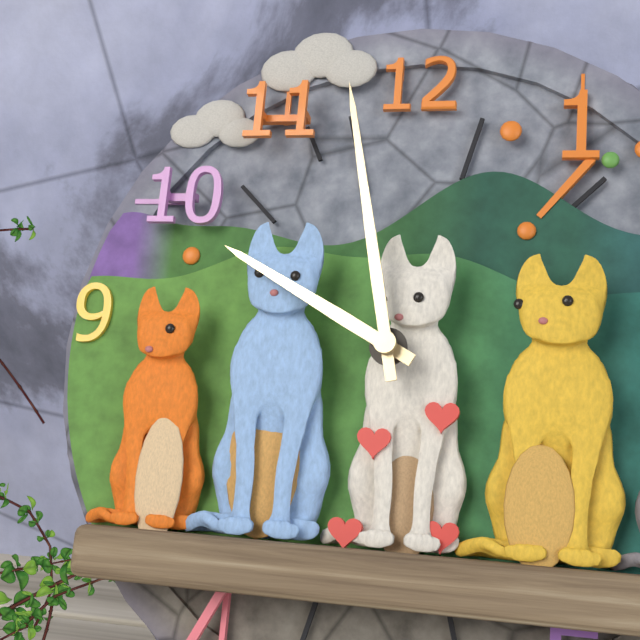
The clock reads {"hour": 9, "minute": 58}
